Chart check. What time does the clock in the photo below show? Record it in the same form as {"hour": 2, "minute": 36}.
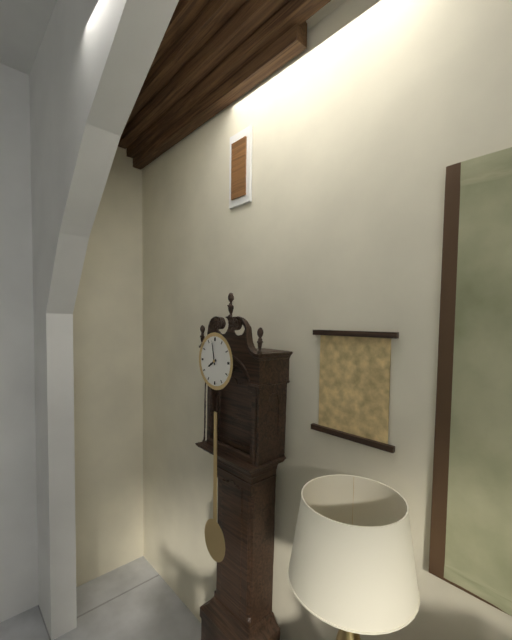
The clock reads {"hour": 7, "minute": 58}
